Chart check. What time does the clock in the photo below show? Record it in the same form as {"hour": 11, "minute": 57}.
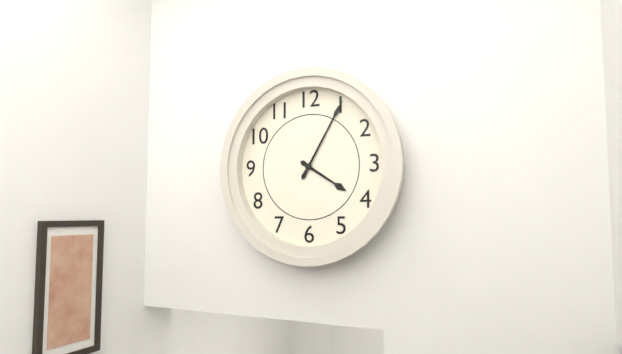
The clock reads {"hour": 4, "minute": 5}
